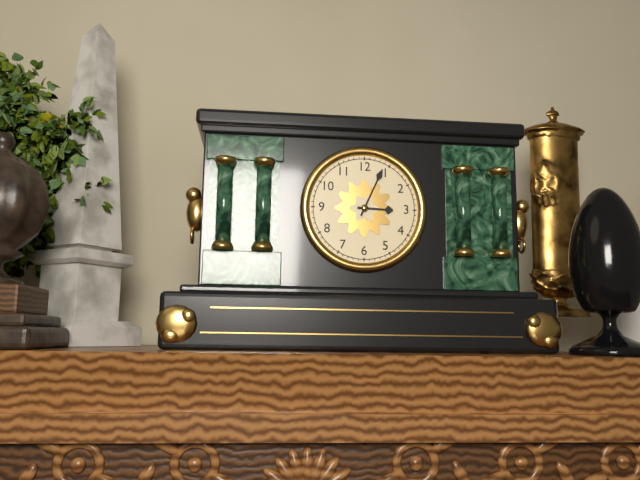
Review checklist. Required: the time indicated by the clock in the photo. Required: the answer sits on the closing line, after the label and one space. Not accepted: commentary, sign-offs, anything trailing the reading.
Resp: 3:04
